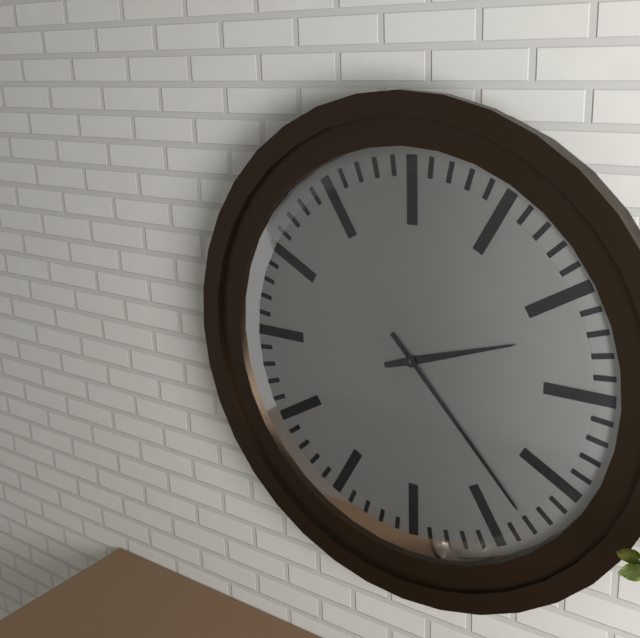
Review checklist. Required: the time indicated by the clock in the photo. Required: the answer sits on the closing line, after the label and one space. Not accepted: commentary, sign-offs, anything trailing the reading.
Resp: 2:23
